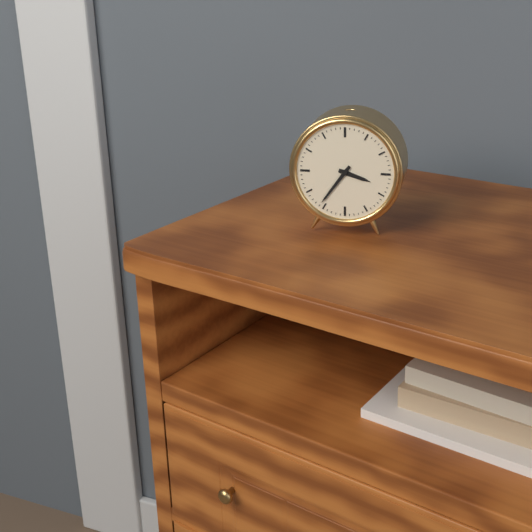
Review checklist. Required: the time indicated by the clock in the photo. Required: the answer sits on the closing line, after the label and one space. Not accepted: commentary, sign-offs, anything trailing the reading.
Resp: 3:36
